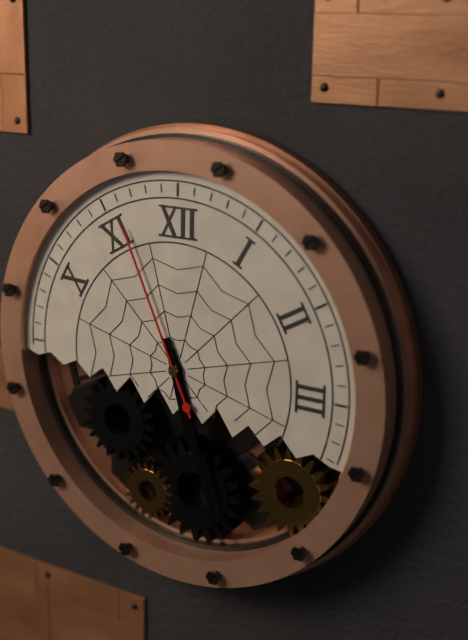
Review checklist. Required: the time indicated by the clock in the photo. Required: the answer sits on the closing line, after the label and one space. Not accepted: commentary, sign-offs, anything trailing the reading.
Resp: 5:27:56
